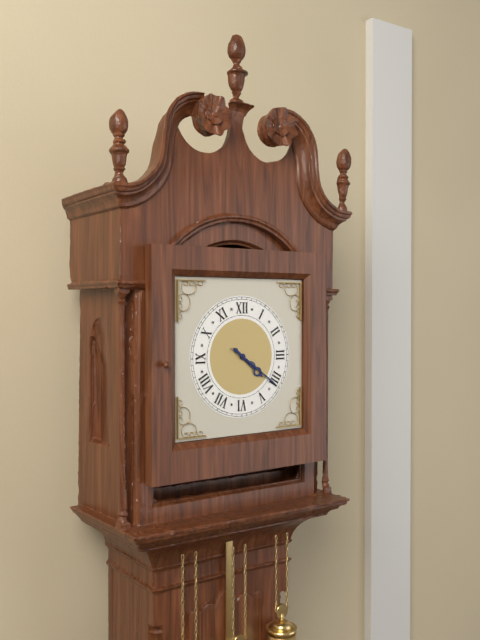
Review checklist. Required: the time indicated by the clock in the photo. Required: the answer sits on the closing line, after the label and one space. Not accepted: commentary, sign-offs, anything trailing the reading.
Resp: 4:21
